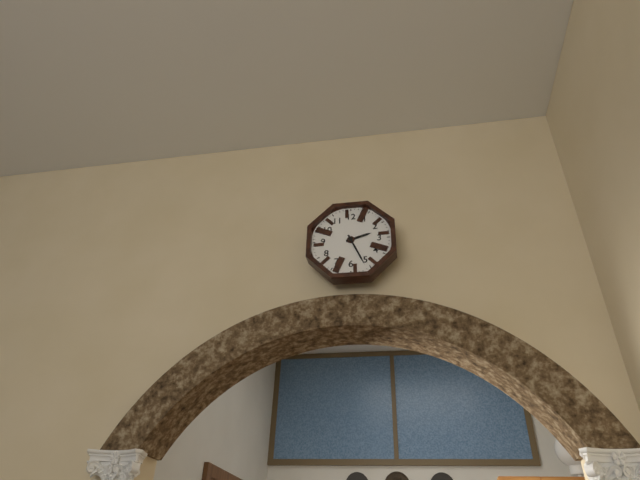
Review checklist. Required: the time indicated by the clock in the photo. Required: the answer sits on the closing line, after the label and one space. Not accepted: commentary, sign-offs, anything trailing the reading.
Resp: 2:26
